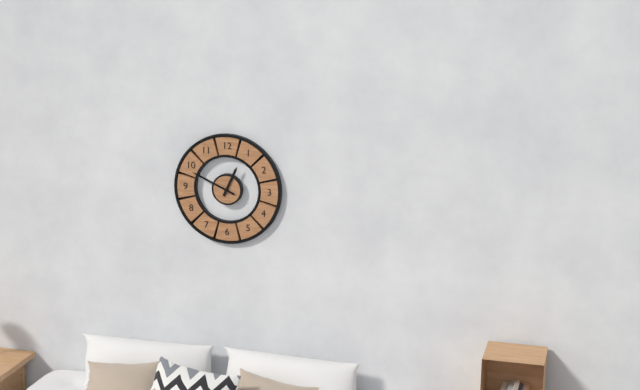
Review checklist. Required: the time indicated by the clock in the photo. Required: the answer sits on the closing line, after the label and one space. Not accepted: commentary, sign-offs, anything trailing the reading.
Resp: 12:49
